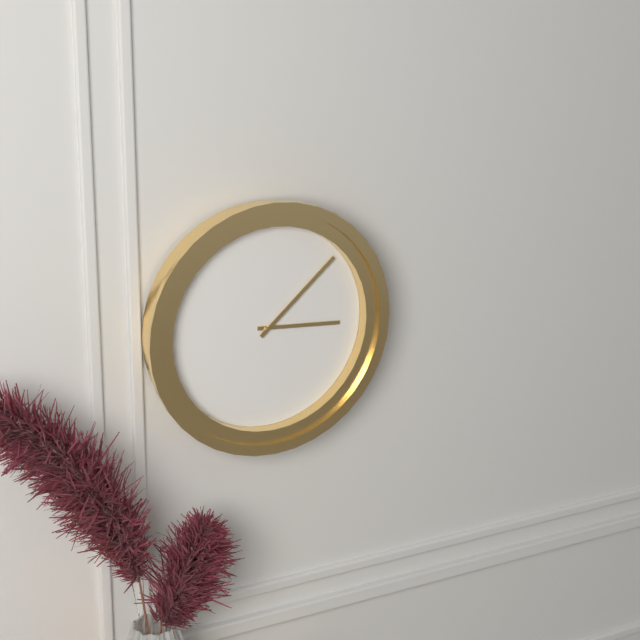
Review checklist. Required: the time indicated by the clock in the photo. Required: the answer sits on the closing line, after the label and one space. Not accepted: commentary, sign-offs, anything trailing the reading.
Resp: 3:08
